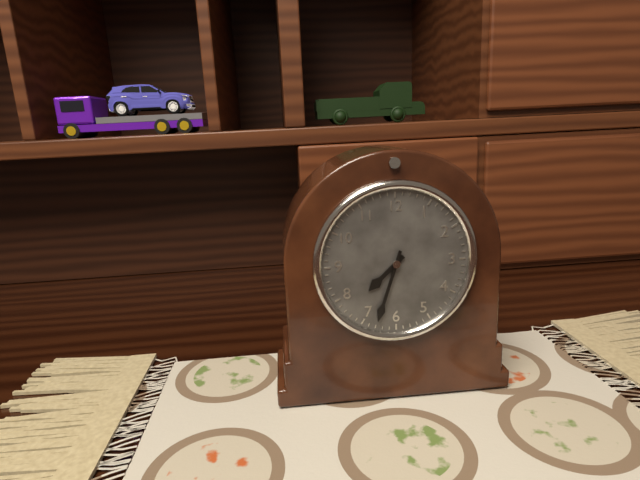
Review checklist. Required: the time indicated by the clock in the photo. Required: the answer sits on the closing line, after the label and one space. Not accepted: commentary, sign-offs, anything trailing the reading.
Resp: 7:33
